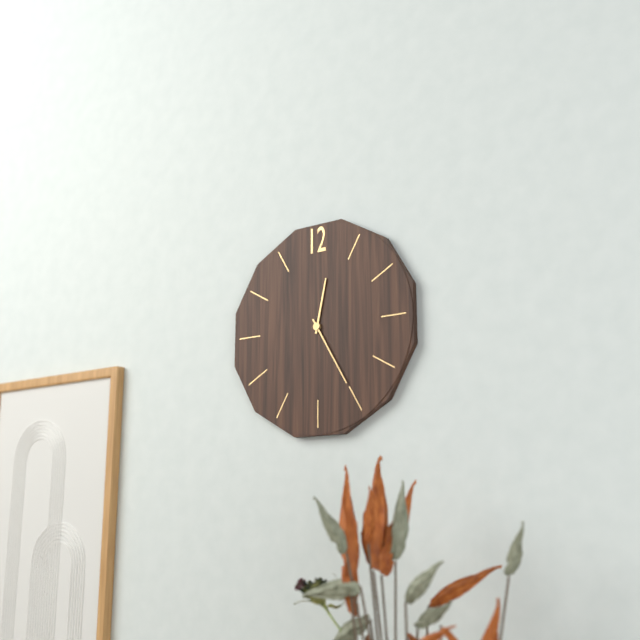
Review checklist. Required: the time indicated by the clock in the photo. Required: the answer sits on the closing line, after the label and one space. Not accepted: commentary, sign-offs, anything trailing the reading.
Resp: 12:25
